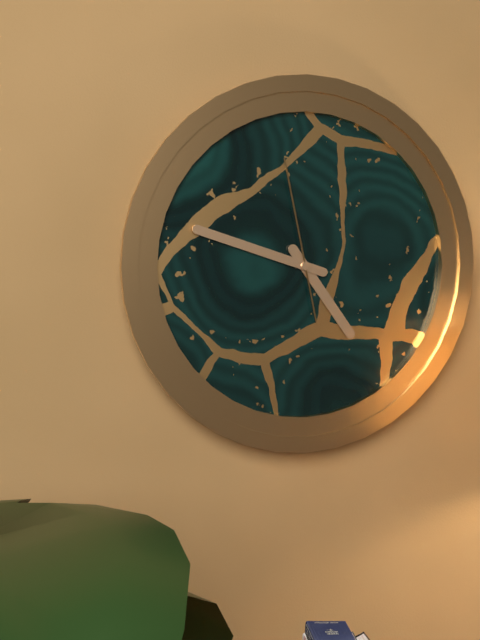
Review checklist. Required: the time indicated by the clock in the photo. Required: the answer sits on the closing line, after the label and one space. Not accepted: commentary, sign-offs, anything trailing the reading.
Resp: 4:48:58
